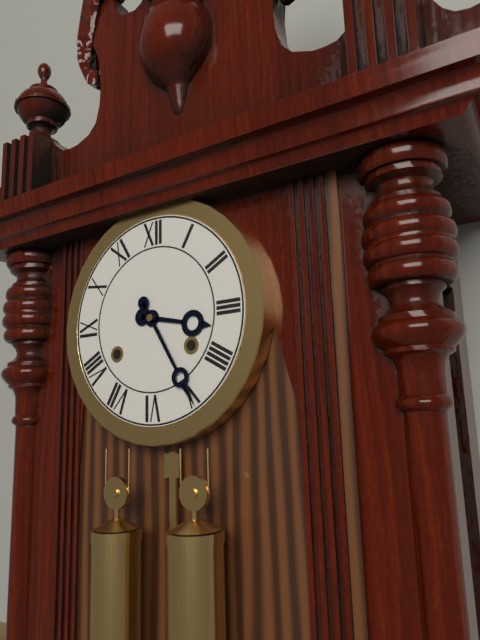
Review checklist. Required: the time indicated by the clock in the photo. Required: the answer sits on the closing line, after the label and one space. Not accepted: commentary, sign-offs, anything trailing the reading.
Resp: 3:25
